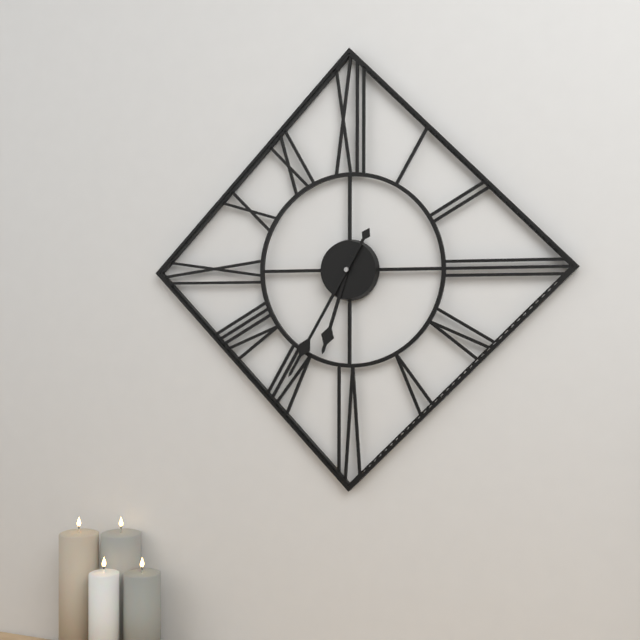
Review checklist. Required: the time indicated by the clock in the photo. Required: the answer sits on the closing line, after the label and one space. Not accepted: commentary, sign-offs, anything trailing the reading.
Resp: 6:35
